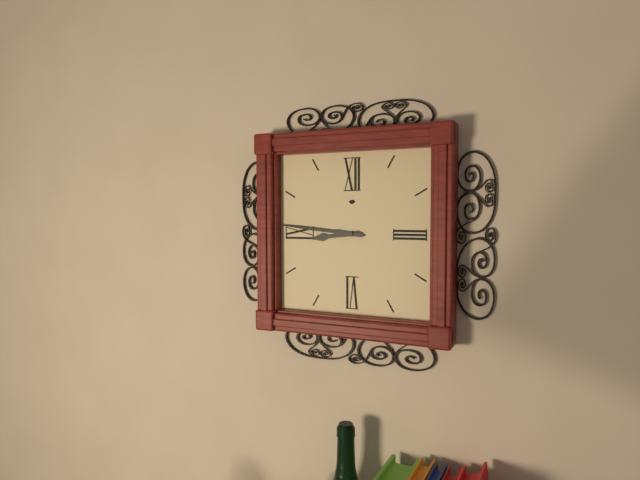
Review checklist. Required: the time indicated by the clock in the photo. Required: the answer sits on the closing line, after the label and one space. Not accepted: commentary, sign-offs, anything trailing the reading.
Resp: 8:46
